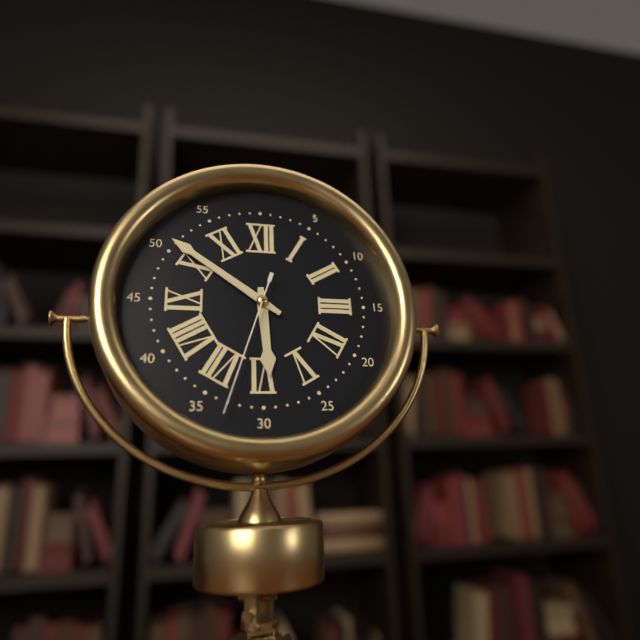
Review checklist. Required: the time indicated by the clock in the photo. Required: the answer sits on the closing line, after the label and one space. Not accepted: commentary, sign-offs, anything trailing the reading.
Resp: 5:51:33
